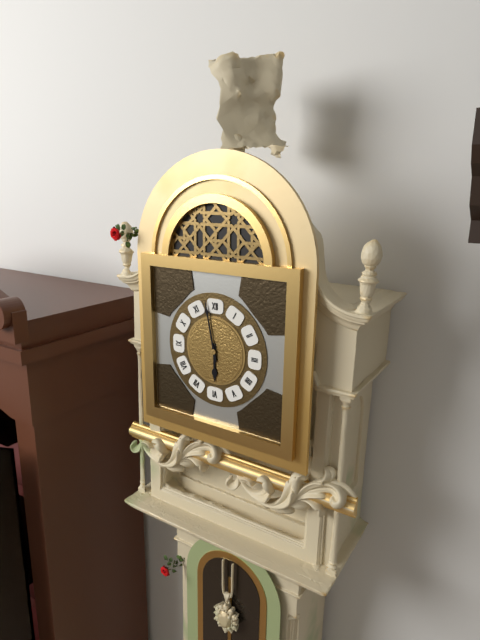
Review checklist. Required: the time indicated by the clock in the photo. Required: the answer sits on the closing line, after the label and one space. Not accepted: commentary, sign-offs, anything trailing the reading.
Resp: 5:58
